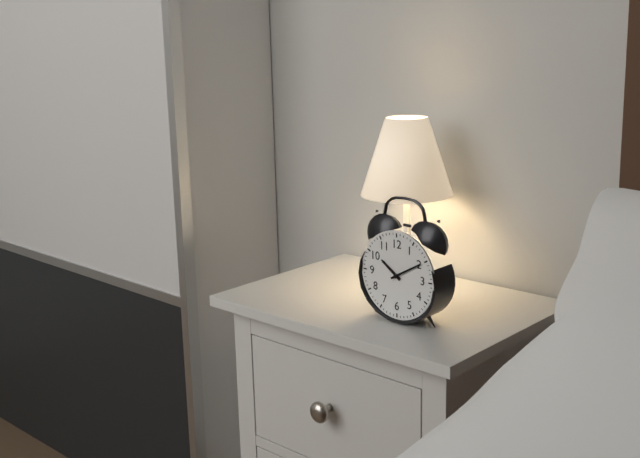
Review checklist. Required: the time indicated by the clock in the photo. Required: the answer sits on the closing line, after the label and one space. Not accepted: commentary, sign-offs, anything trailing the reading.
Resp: 10:10
